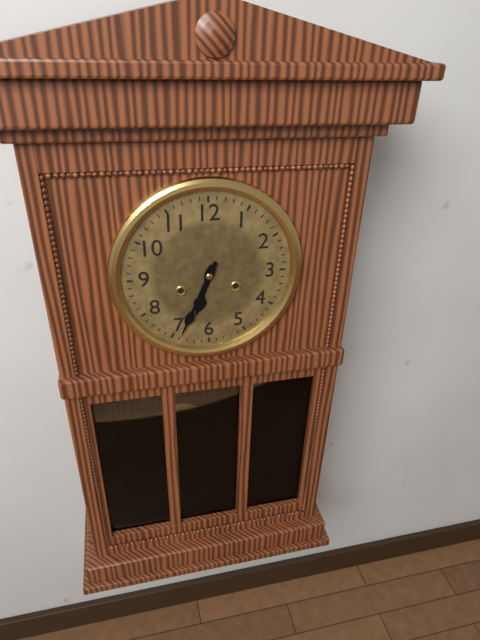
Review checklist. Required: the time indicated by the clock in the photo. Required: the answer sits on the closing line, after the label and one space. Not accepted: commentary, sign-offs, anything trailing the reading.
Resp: 6:34
